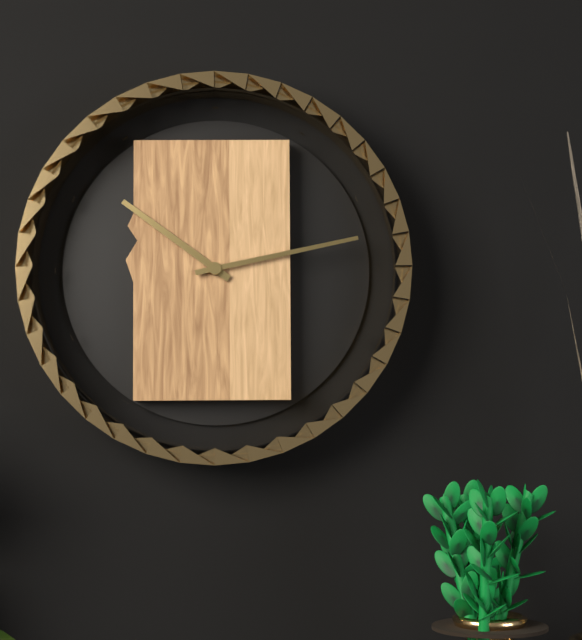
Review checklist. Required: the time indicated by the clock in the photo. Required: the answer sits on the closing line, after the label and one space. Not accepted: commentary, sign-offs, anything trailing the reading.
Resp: 10:13
